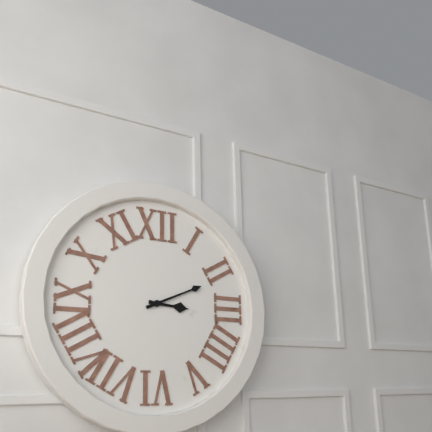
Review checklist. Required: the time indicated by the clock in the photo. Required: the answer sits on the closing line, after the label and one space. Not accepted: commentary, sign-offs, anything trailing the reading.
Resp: 3:11
